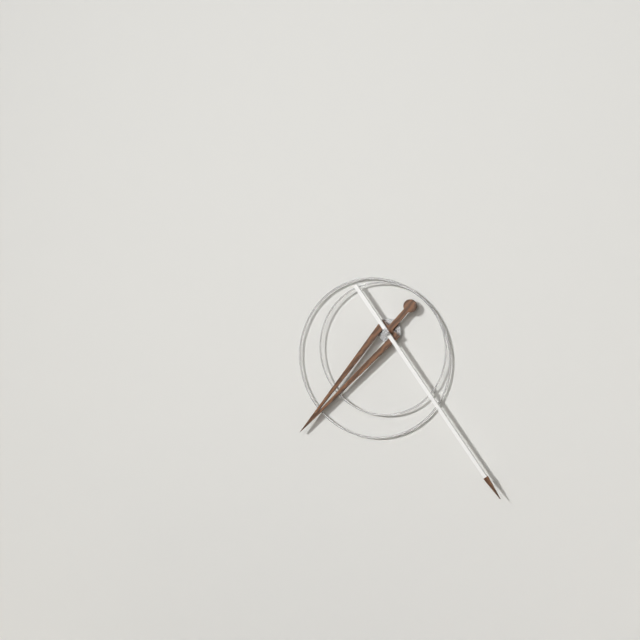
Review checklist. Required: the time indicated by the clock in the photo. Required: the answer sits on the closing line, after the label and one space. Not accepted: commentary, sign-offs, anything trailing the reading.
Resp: 7:24
